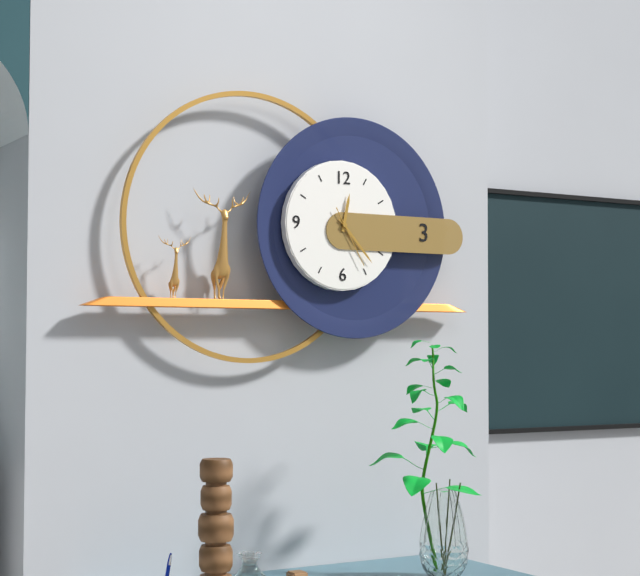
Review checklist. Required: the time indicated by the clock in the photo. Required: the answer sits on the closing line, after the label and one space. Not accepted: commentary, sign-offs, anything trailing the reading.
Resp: 12:23:25
